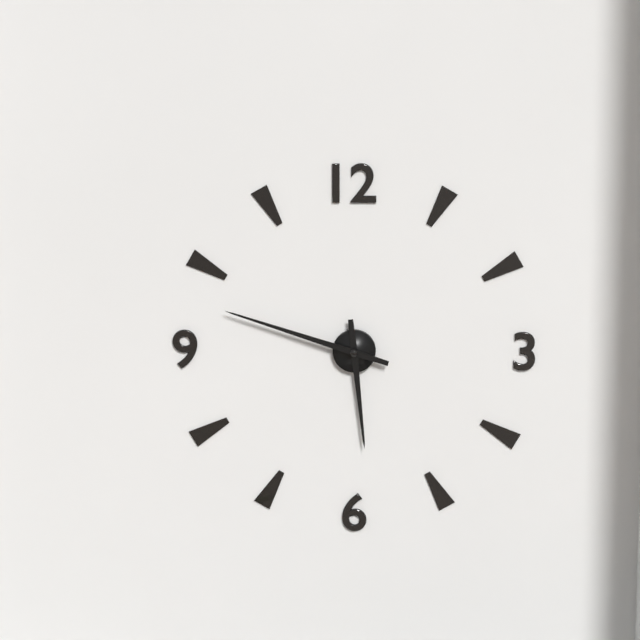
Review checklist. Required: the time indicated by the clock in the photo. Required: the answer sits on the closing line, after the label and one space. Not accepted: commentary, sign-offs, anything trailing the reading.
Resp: 5:48
